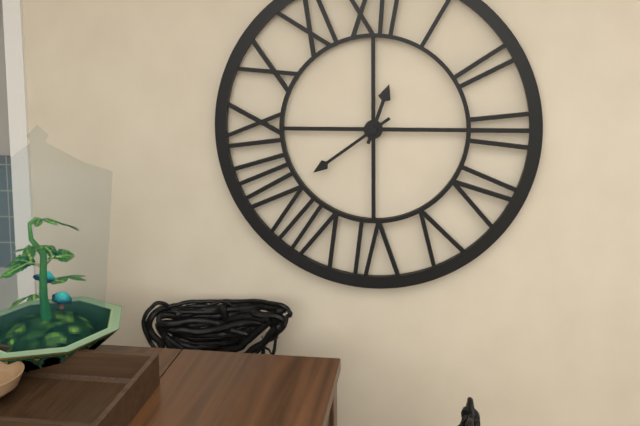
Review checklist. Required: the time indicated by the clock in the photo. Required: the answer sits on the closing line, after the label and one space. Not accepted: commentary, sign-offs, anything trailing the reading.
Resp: 12:39
